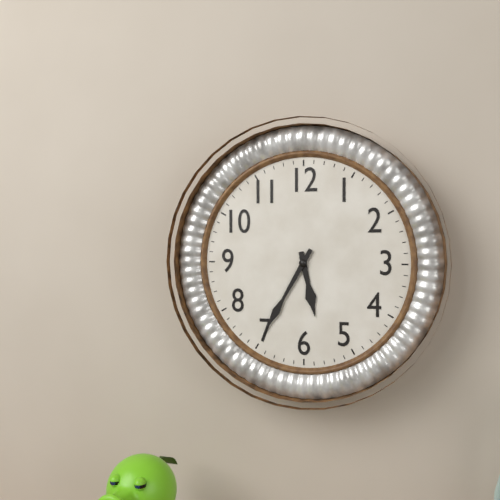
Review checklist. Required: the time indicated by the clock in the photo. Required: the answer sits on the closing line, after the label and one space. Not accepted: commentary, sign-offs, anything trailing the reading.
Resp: 5:35
